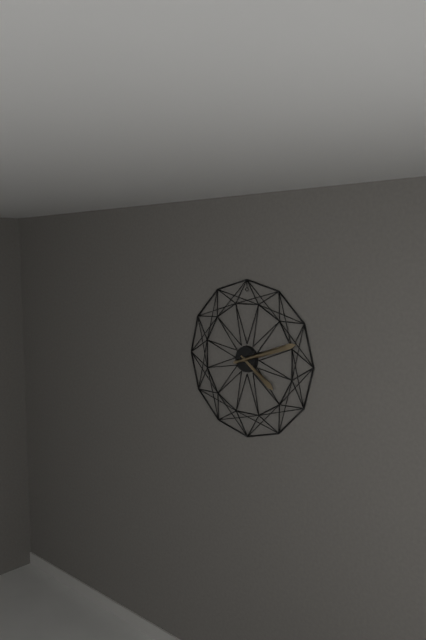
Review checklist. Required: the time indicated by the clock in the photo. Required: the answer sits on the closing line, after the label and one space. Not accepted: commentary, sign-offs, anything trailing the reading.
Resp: 4:12
